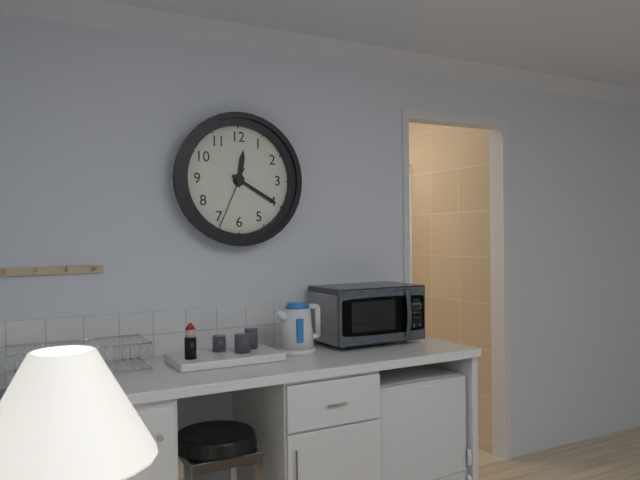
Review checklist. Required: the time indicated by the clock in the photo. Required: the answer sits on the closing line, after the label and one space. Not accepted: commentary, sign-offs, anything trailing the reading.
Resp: 12:20:34
